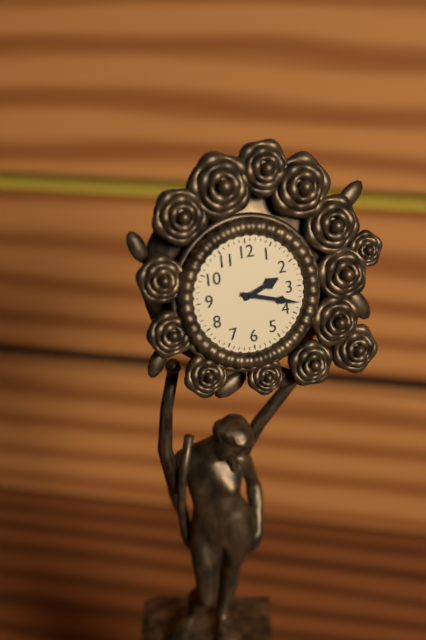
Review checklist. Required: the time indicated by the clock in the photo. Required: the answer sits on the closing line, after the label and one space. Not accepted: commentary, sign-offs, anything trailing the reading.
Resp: 2:18
